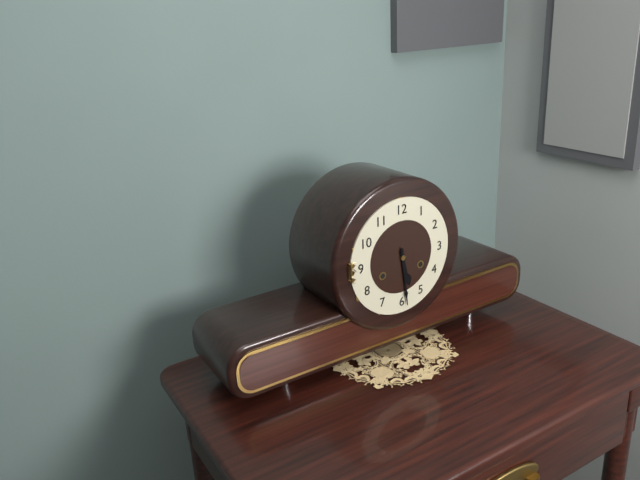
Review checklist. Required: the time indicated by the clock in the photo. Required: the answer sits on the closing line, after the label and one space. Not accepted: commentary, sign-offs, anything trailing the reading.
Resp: 5:29
